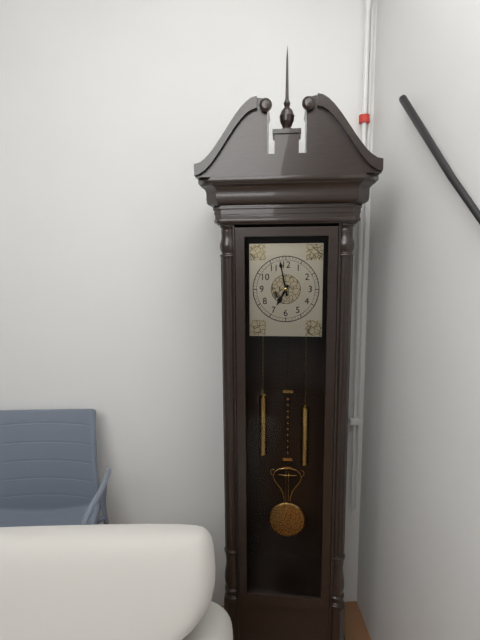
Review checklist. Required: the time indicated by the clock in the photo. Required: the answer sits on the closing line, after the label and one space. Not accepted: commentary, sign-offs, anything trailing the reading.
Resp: 6:58
